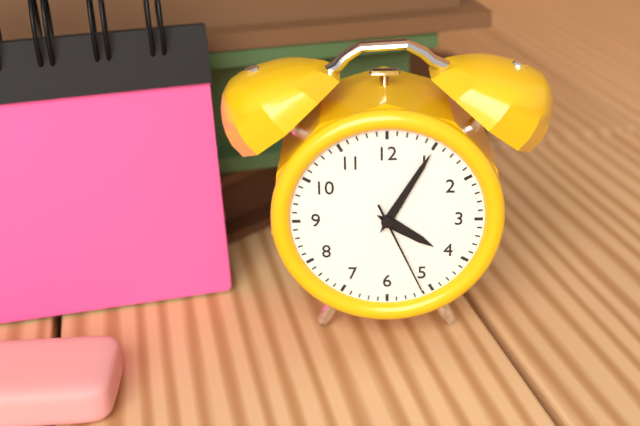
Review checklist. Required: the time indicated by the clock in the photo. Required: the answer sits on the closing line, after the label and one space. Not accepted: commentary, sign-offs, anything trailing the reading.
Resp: 4:05:26
